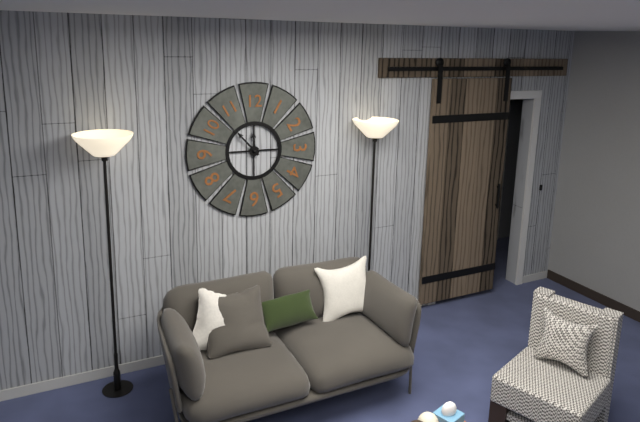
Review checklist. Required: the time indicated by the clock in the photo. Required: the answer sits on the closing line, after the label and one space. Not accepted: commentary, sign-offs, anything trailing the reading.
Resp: 11:53
